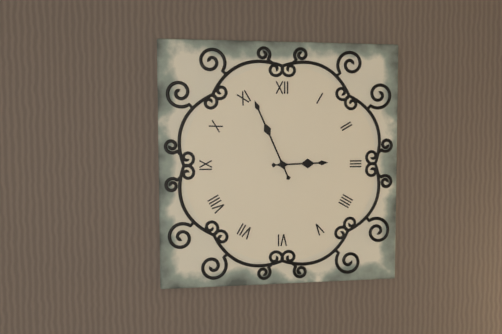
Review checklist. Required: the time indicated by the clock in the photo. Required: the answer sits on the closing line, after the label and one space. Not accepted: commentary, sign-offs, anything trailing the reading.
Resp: 2:56
